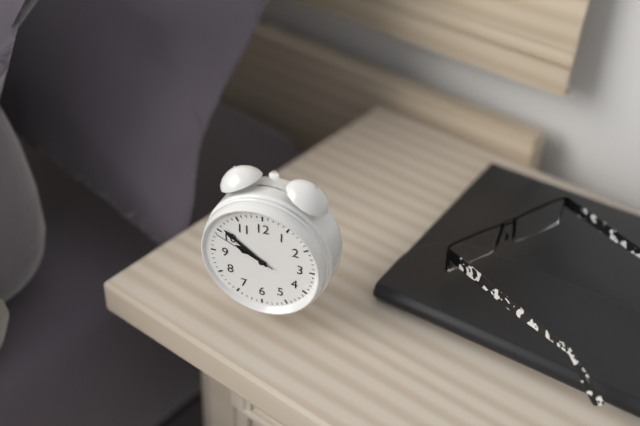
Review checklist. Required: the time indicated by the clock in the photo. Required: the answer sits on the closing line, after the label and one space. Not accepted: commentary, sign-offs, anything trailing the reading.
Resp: 9:51:49
